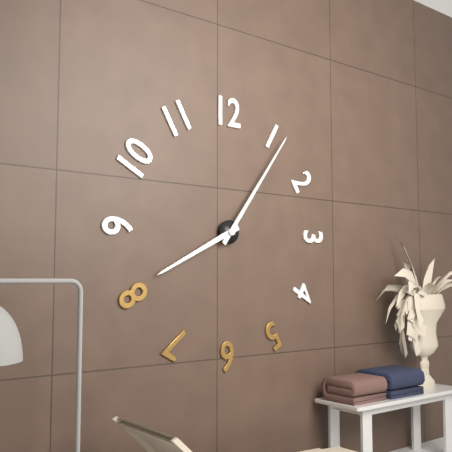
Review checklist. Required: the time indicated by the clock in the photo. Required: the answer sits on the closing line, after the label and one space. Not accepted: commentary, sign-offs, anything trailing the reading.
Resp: 8:06
